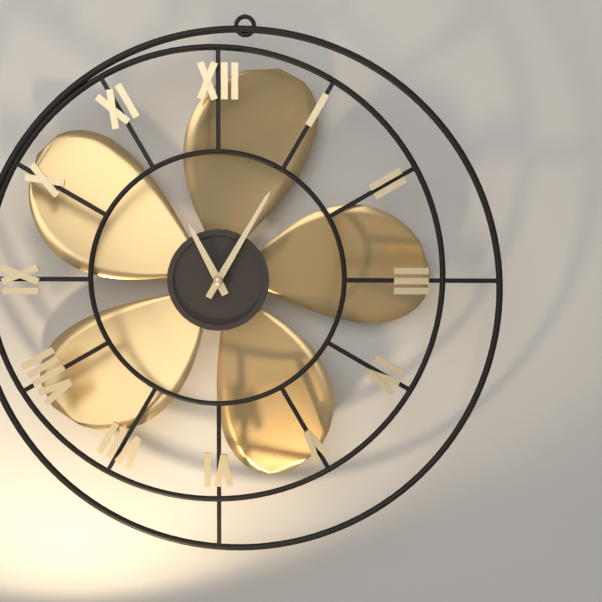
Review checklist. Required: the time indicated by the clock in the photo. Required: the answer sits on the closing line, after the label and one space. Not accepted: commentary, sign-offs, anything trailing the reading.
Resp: 11:05
